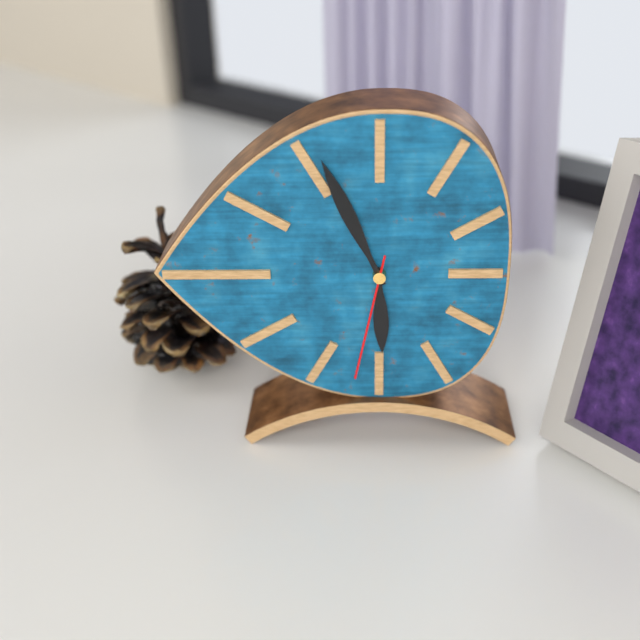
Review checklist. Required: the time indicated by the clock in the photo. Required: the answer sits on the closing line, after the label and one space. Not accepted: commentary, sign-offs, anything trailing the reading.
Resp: 5:56:32
